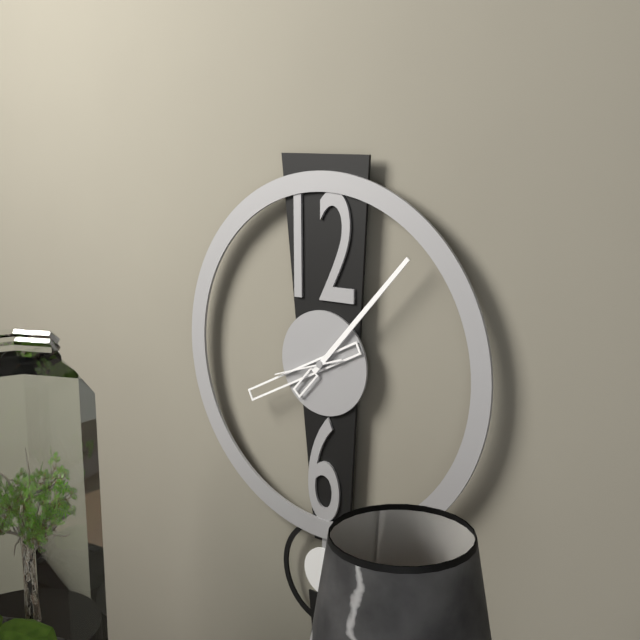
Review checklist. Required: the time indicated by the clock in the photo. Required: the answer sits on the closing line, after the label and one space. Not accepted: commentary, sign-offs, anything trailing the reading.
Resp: 8:07:42
